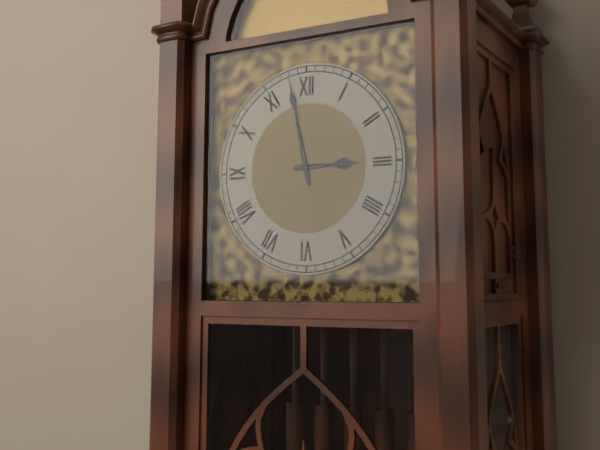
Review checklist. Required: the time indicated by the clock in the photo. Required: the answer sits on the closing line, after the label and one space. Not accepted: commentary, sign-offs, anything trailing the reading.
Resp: 2:58
